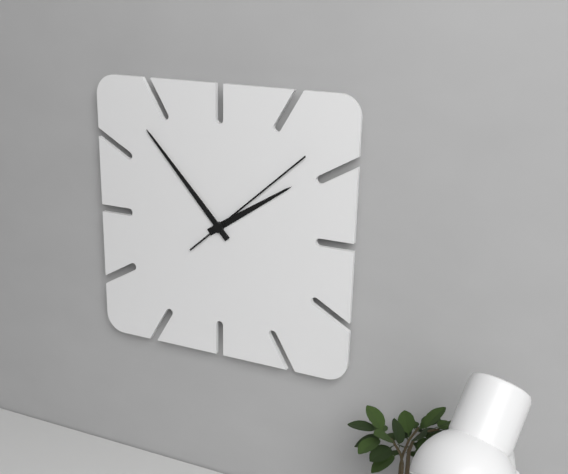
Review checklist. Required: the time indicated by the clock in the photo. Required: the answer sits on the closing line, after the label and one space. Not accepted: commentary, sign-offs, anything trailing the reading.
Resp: 1:53:08
